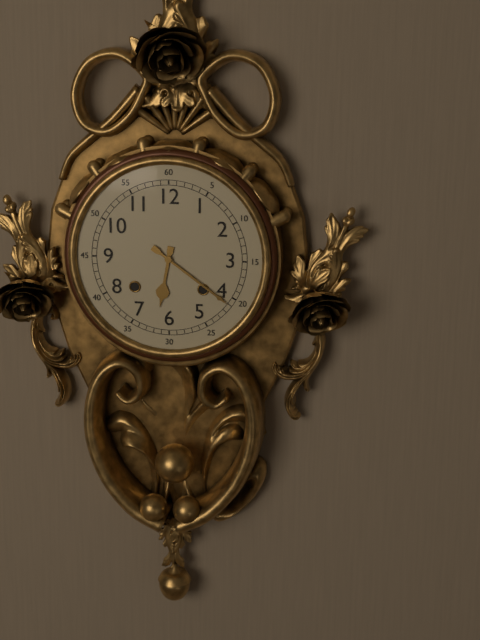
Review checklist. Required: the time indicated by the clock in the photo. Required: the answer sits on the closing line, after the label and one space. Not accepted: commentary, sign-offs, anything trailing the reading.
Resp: 6:21
